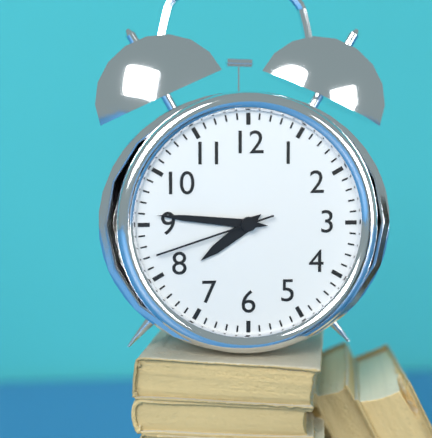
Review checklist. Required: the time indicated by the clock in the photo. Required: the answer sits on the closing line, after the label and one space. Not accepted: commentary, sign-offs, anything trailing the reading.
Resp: 7:46:42
